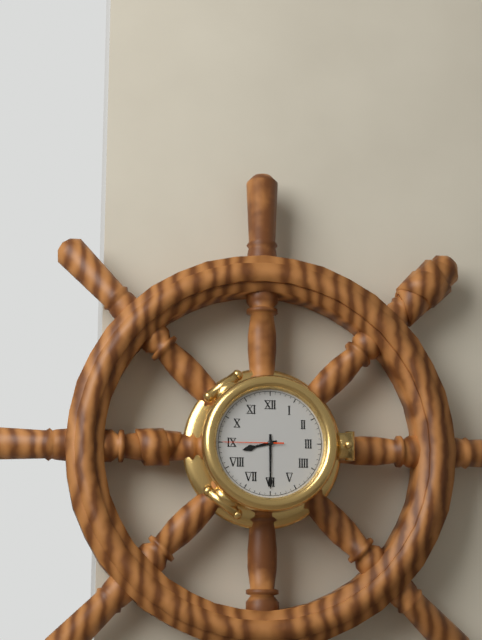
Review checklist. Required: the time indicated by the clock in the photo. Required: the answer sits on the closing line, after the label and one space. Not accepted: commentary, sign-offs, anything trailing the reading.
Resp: 8:30:45
